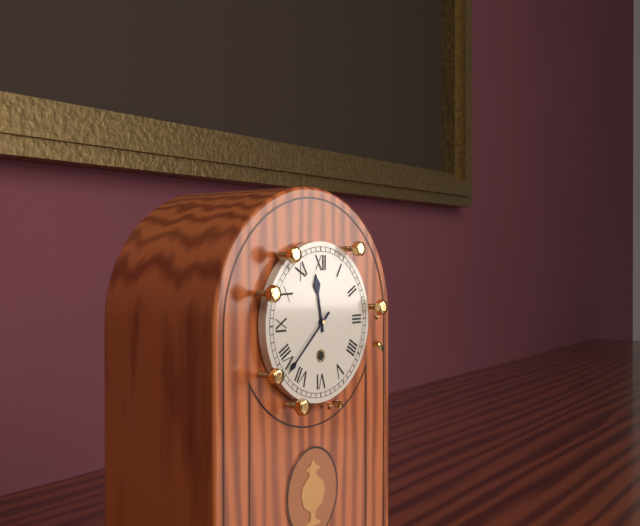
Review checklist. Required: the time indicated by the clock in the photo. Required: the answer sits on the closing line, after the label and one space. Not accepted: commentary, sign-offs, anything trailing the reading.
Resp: 11:38
